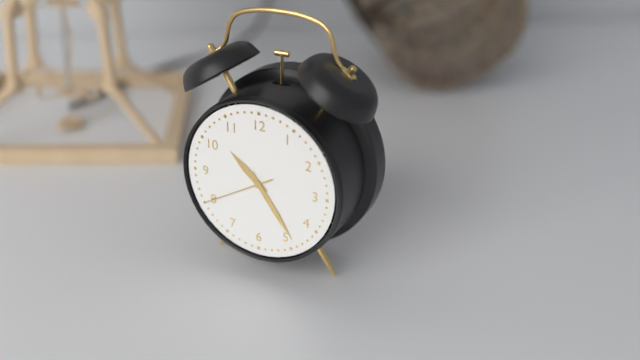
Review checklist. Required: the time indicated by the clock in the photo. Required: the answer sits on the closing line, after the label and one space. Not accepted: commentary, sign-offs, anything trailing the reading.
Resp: 10:24:40
